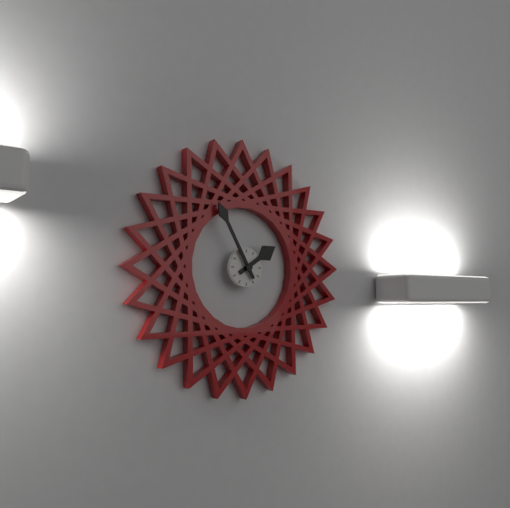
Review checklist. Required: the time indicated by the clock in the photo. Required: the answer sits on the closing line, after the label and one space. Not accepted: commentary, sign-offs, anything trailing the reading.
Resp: 1:55
